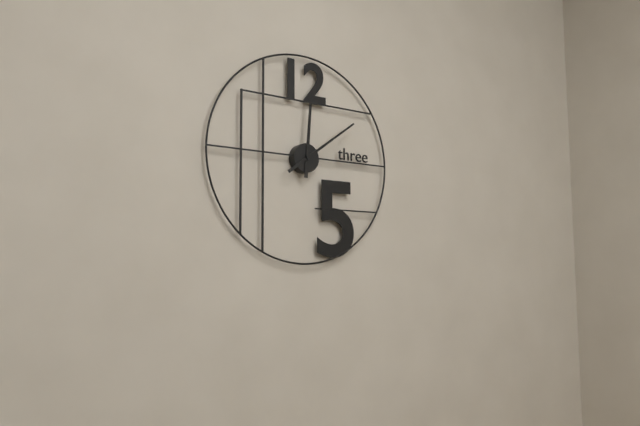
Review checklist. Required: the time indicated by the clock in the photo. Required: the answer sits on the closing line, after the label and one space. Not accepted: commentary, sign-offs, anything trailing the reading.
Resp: 12:09
